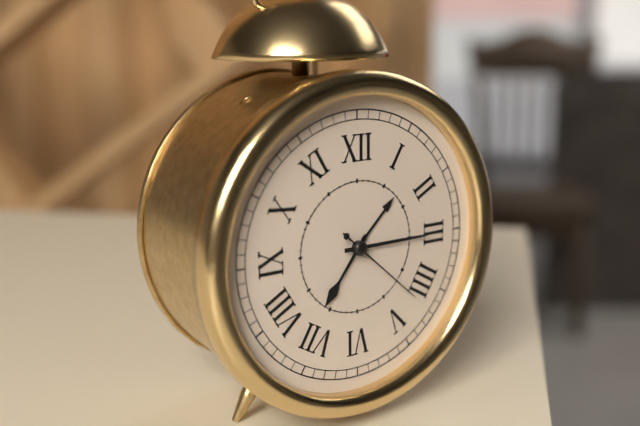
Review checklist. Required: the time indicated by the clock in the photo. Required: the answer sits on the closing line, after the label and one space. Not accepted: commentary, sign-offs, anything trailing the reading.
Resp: 7:15:22
